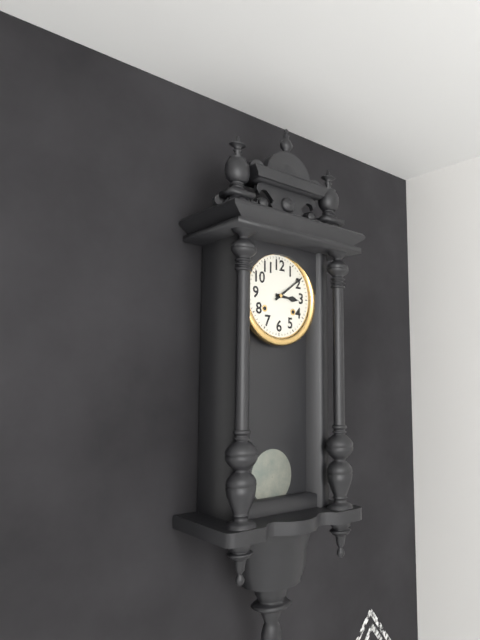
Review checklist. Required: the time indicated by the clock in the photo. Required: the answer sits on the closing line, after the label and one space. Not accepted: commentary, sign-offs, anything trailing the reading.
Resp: 3:09
